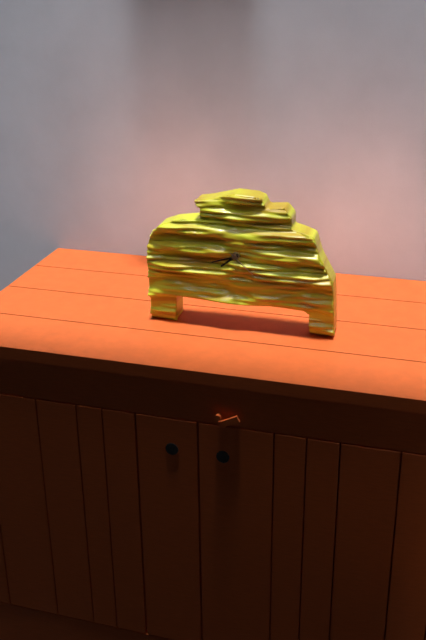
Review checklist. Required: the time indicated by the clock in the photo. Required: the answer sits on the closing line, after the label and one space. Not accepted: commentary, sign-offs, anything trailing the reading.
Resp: 7:42
